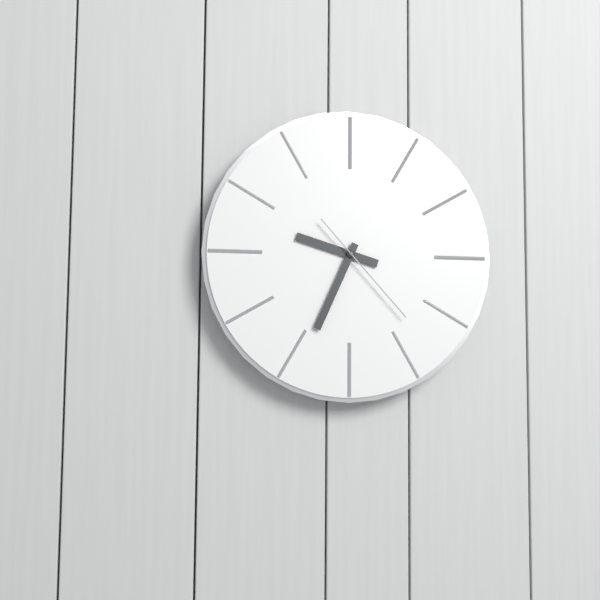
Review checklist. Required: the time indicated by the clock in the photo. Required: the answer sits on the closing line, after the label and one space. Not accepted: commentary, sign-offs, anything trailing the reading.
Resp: 9:34:23
